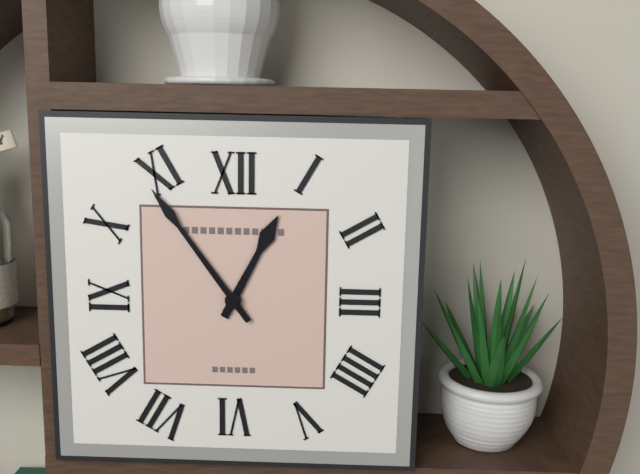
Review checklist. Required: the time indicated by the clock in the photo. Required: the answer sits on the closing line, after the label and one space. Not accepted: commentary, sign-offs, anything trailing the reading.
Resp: 12:54
